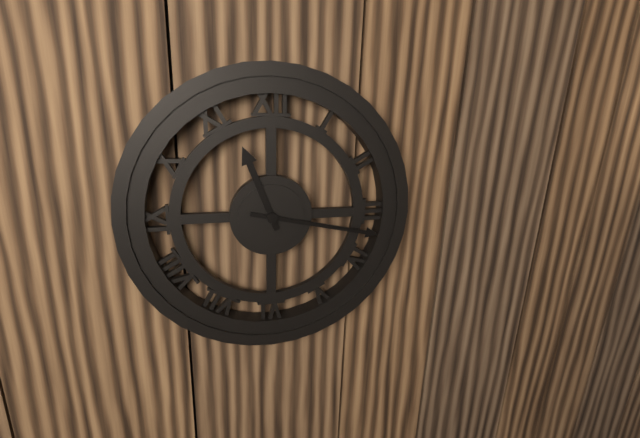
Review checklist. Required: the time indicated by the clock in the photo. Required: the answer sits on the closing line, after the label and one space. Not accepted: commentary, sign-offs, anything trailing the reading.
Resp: 11:17
